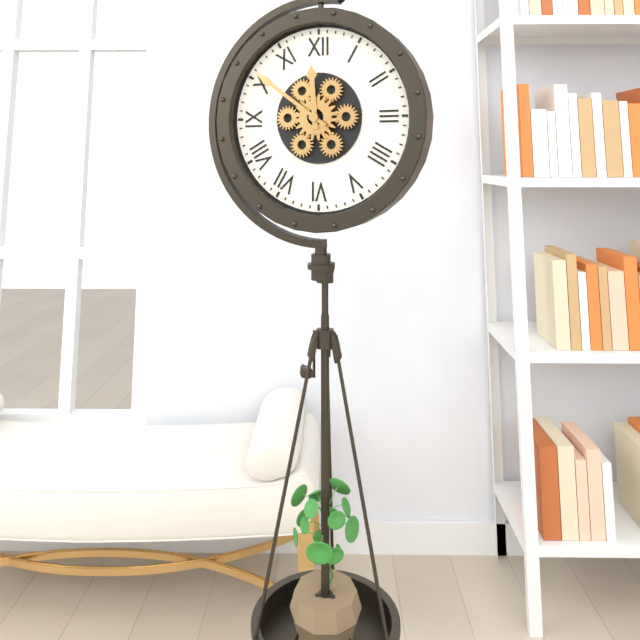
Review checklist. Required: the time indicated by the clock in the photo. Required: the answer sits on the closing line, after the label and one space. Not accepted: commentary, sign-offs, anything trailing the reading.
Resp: 11:51
